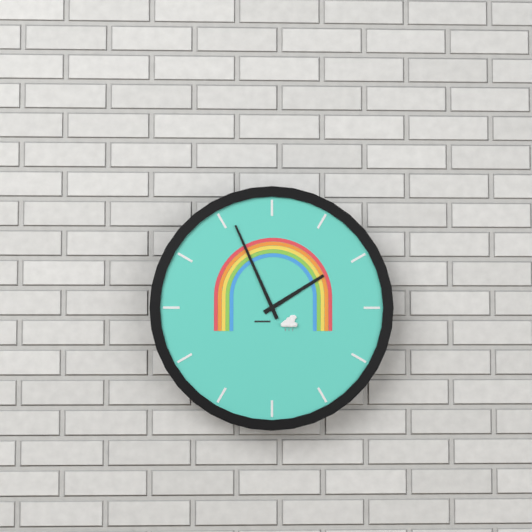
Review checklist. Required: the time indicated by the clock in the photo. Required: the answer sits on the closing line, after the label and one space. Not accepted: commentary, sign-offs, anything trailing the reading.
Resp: 1:56
